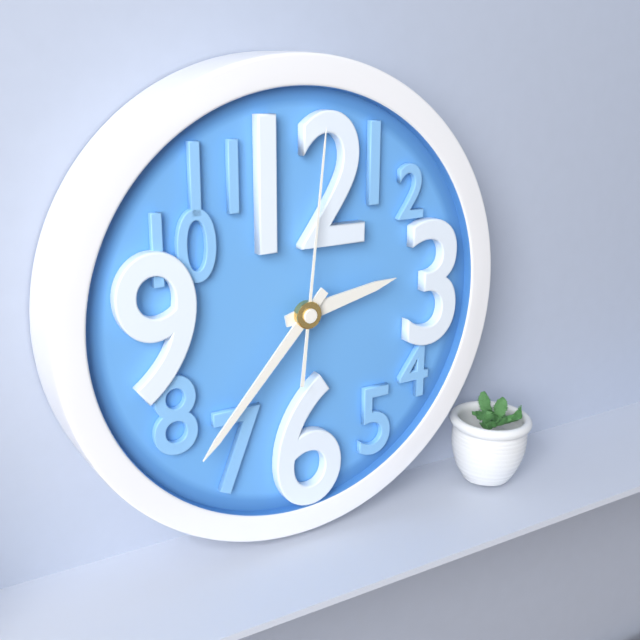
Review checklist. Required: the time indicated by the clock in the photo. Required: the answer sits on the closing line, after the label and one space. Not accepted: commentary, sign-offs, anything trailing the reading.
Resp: 2:37:01
